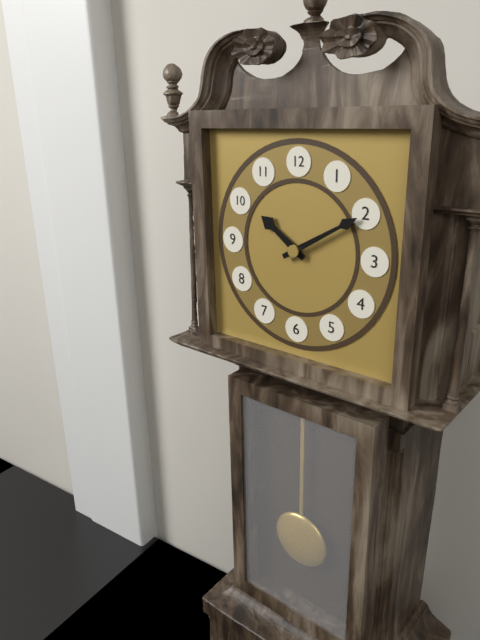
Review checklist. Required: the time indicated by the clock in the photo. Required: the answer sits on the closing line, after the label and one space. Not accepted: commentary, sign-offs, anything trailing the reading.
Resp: 10:10
